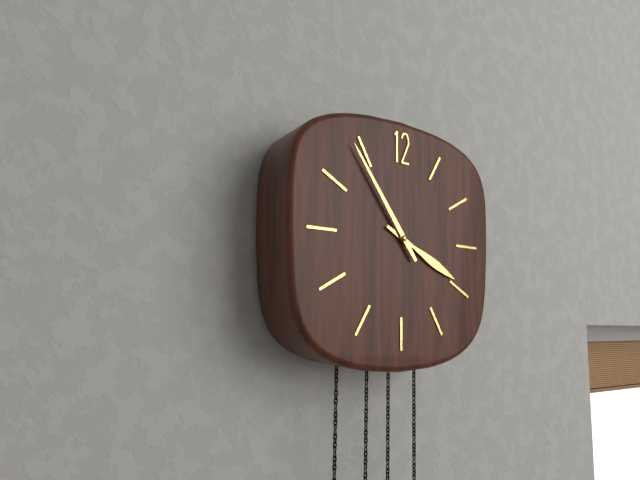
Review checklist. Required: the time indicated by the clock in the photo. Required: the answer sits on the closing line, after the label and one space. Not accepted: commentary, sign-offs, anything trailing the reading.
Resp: 3:54
